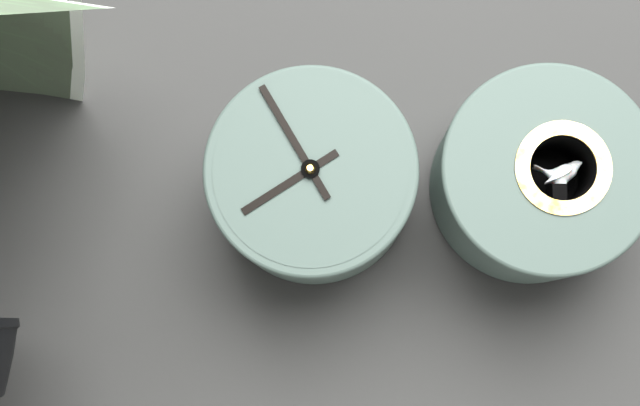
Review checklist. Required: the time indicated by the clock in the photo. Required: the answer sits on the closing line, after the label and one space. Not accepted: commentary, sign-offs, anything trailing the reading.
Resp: 7:55
